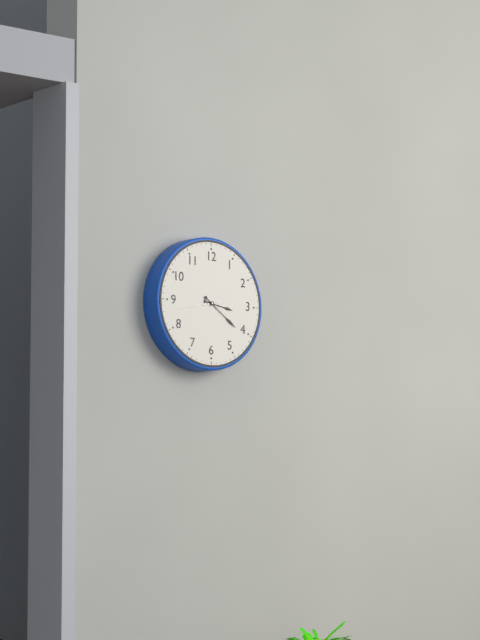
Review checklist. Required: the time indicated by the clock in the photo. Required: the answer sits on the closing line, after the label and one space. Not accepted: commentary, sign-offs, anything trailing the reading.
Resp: 3:21
